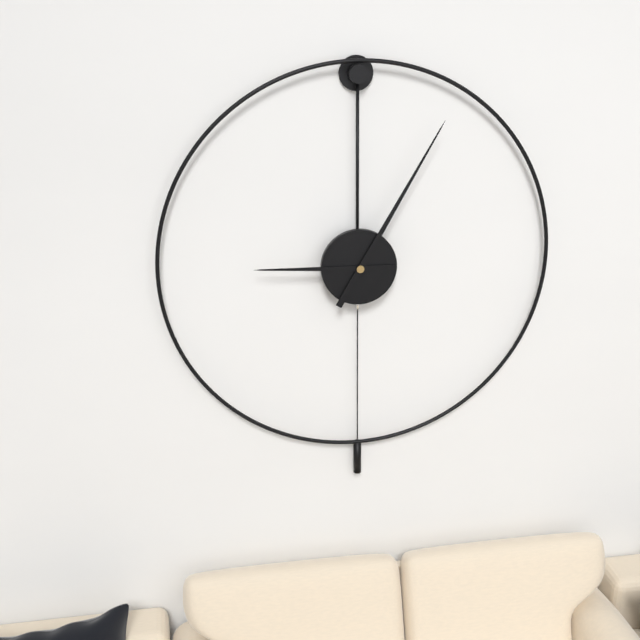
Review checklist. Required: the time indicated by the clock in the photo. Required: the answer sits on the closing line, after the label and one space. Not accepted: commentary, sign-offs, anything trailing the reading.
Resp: 9:05
